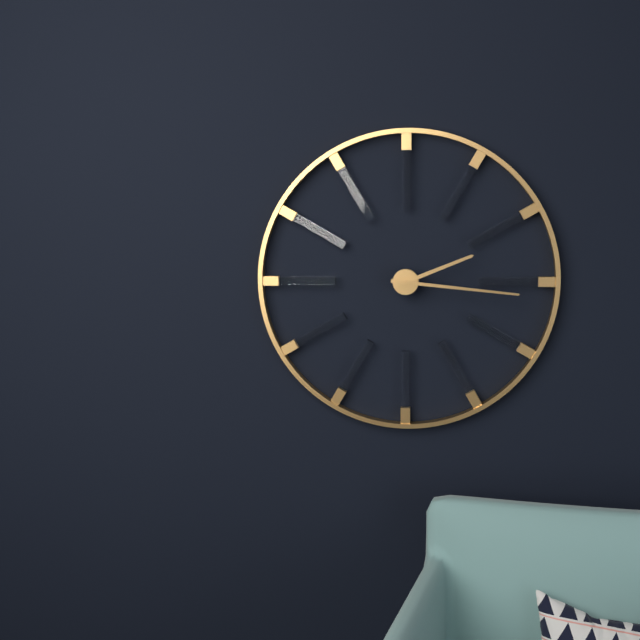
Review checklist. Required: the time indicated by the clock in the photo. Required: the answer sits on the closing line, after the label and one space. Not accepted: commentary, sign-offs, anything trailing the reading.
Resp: 2:16
